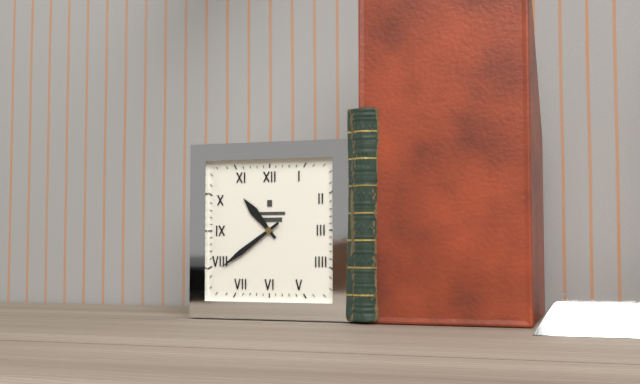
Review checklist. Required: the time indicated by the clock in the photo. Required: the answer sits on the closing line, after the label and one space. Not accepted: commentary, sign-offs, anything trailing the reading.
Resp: 10:39
